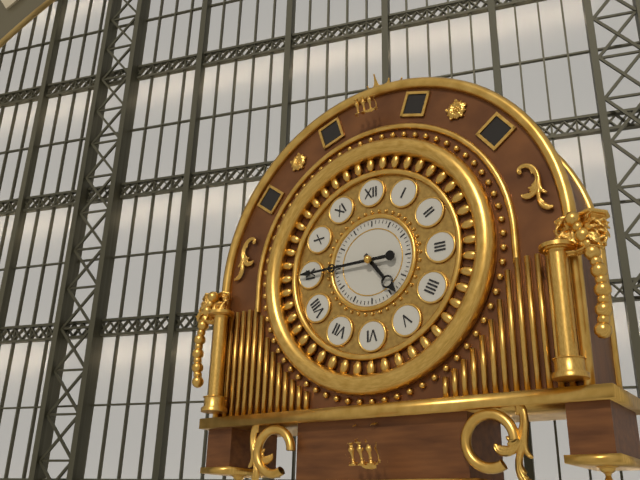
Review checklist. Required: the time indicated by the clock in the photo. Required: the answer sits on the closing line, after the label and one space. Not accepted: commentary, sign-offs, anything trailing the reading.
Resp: 4:45
